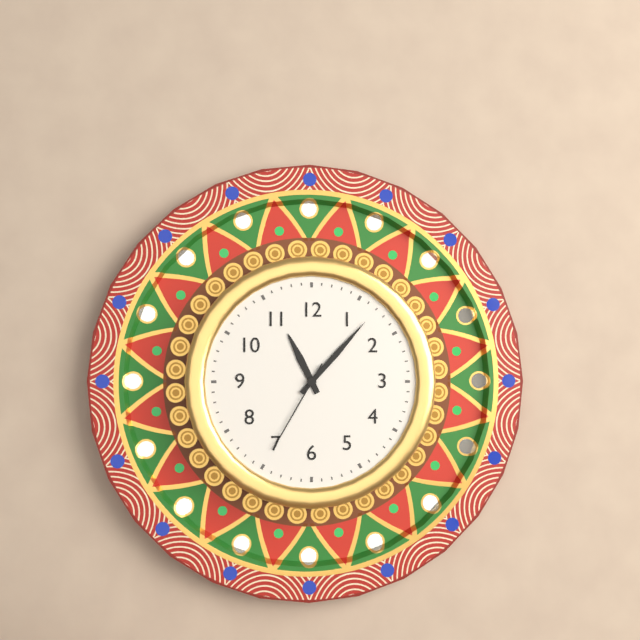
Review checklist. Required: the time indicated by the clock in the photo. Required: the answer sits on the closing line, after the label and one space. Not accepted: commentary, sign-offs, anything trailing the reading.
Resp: 11:07:35
